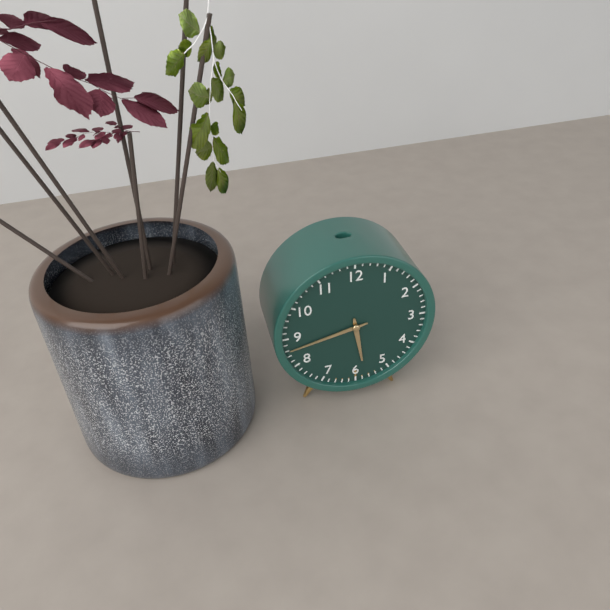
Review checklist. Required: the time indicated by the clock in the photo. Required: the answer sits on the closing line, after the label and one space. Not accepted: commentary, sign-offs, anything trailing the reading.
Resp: 5:43
